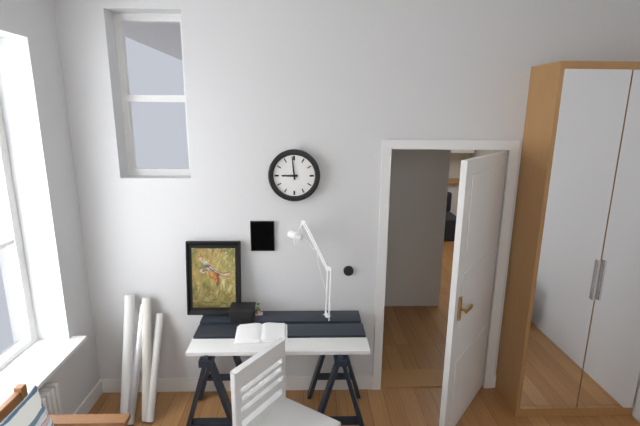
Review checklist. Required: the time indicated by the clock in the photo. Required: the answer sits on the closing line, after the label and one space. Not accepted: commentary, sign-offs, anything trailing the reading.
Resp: 8:59
